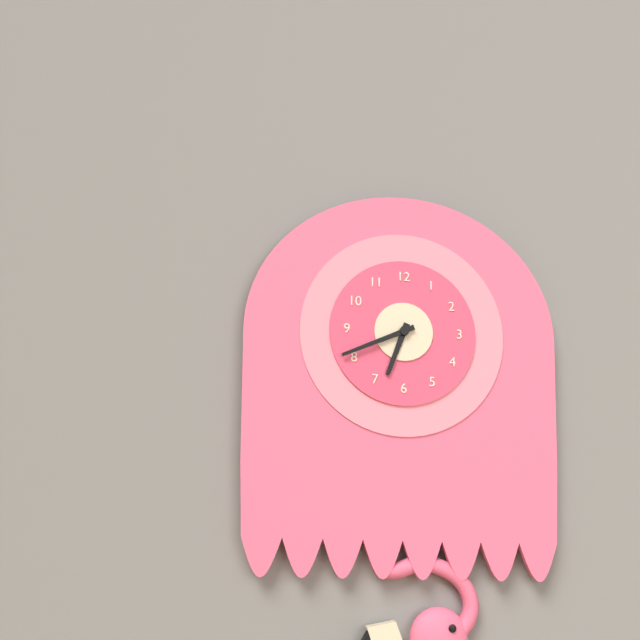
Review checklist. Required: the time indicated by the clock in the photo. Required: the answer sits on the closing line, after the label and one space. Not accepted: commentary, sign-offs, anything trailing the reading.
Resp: 6:41
